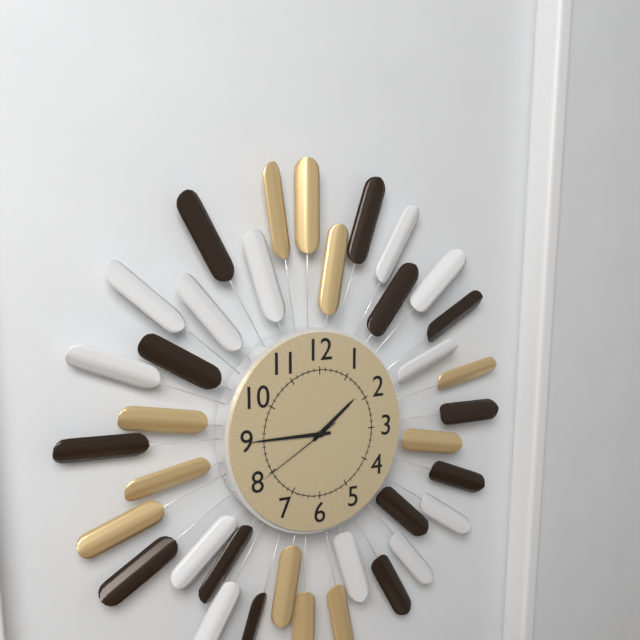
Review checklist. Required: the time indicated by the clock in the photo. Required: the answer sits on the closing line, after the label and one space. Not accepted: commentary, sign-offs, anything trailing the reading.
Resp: 1:45:40
